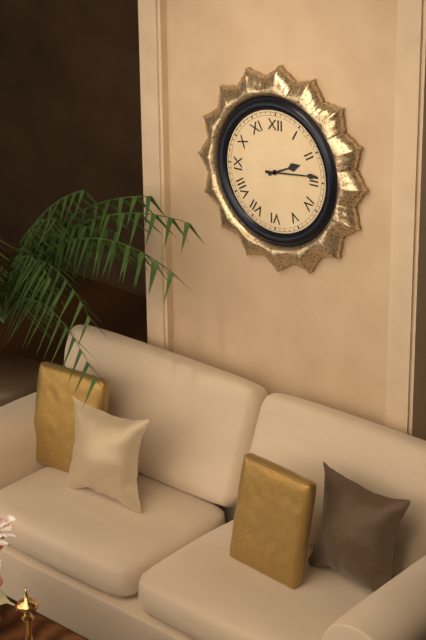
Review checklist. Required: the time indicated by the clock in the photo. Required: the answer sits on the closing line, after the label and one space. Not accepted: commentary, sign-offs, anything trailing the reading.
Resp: 2:14
